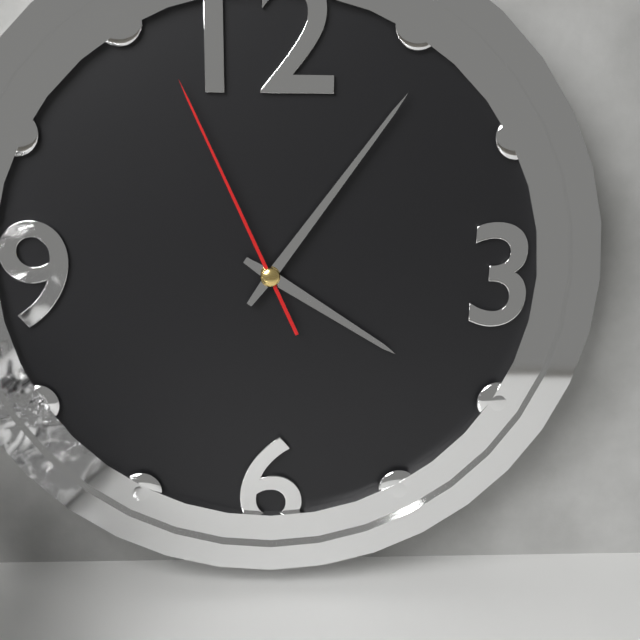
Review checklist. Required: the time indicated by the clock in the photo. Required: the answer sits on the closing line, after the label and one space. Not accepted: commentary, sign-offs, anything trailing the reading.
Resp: 4:06:56
